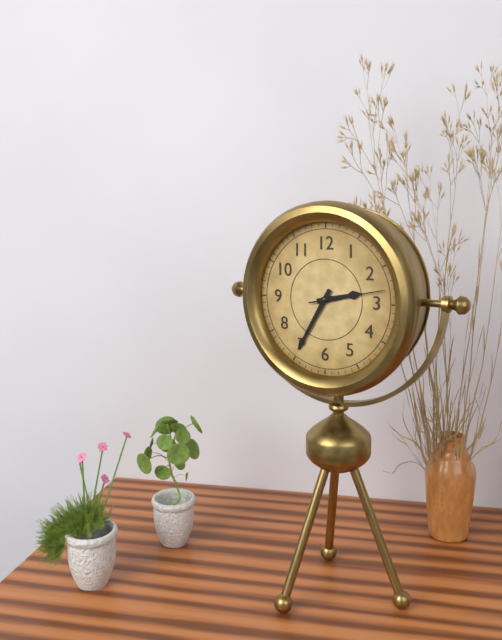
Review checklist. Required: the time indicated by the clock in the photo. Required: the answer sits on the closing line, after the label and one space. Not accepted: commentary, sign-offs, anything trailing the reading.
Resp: 2:35:13
